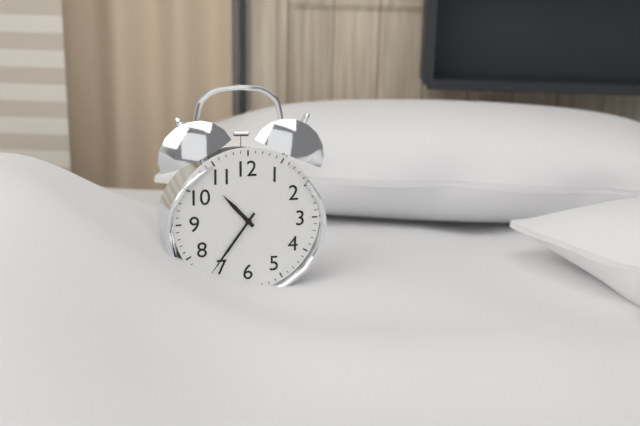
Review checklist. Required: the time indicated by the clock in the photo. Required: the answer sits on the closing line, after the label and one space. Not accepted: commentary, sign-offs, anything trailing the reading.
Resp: 10:36
